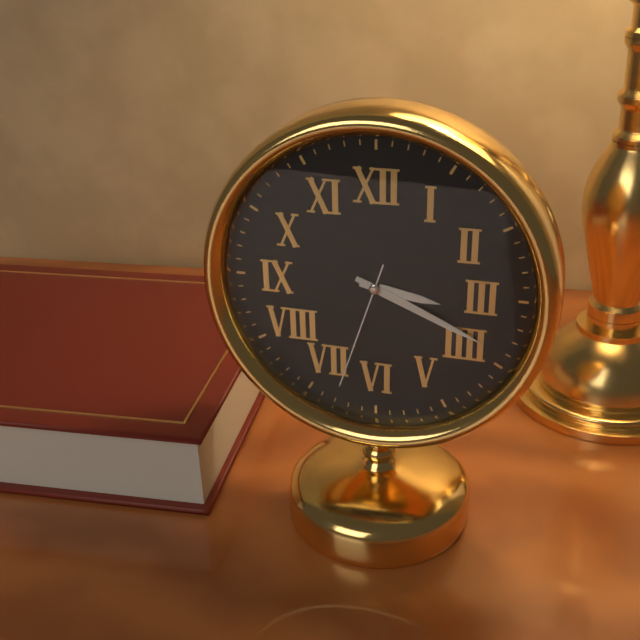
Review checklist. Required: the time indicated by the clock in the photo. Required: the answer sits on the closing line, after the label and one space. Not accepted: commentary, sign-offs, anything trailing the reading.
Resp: 3:19:33
